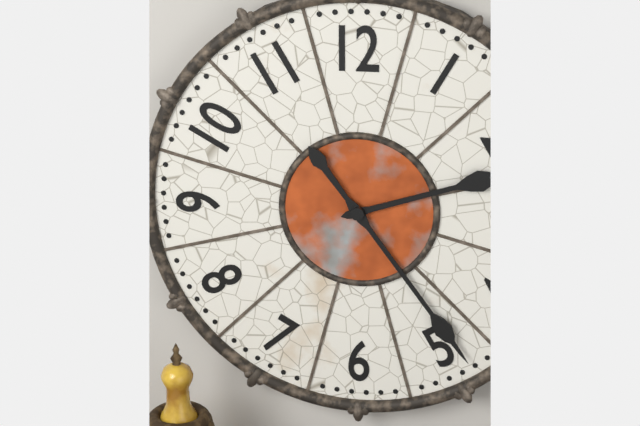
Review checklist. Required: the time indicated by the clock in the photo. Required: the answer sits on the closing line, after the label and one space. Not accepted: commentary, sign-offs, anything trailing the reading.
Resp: 2:24
